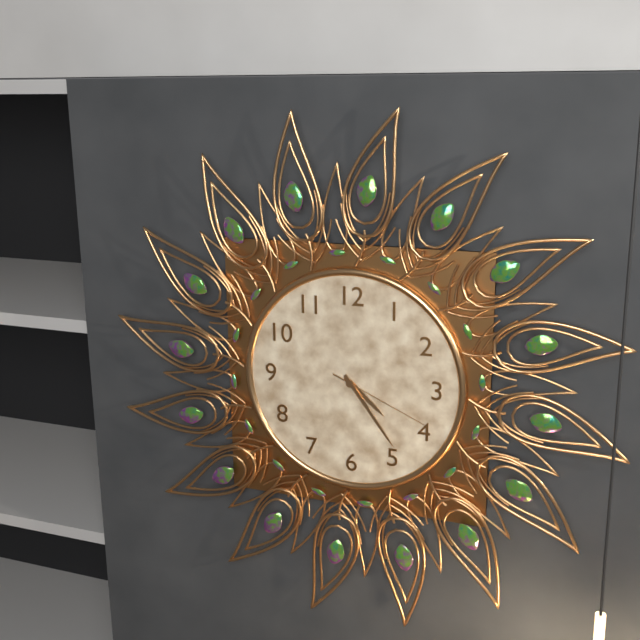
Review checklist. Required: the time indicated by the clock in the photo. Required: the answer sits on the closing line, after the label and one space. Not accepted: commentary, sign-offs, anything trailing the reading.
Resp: 4:24:19
